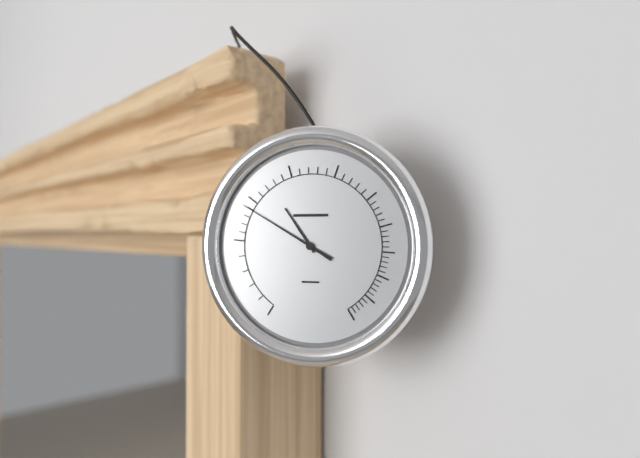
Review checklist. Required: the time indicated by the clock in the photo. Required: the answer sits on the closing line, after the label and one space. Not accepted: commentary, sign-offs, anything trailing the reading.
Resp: 10:50
